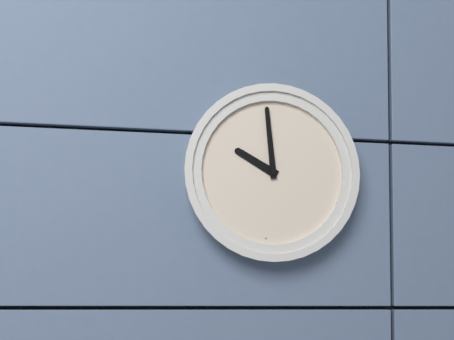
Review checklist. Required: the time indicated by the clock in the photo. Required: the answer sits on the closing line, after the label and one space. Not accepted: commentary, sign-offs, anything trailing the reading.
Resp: 9:59
